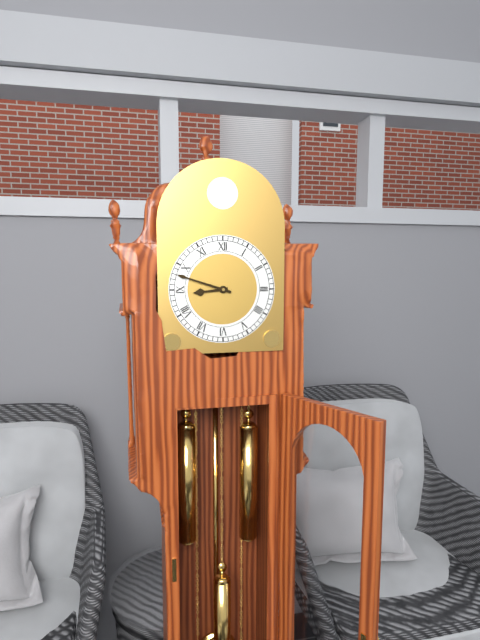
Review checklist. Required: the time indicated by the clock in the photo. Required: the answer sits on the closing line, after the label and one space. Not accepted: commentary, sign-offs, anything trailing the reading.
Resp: 8:48
